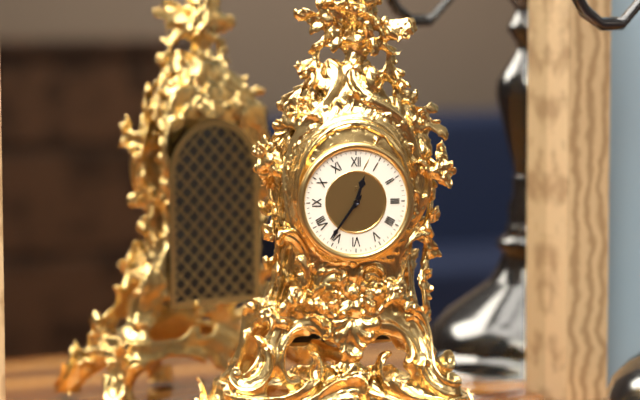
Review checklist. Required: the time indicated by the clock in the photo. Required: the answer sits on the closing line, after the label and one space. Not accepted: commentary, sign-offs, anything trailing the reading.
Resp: 12:36
